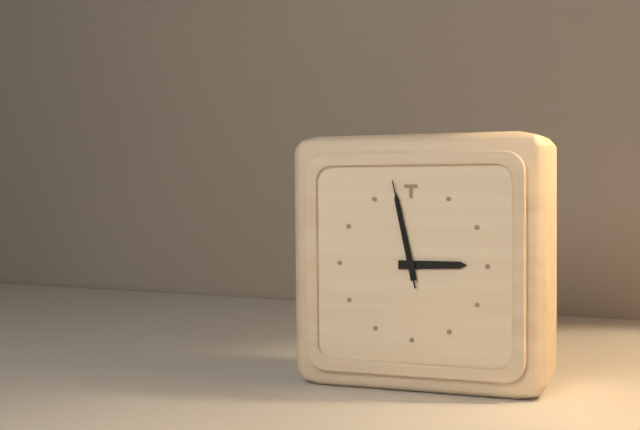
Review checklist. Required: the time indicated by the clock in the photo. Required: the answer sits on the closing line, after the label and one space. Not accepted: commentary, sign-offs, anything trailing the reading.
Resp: 2:58:58
